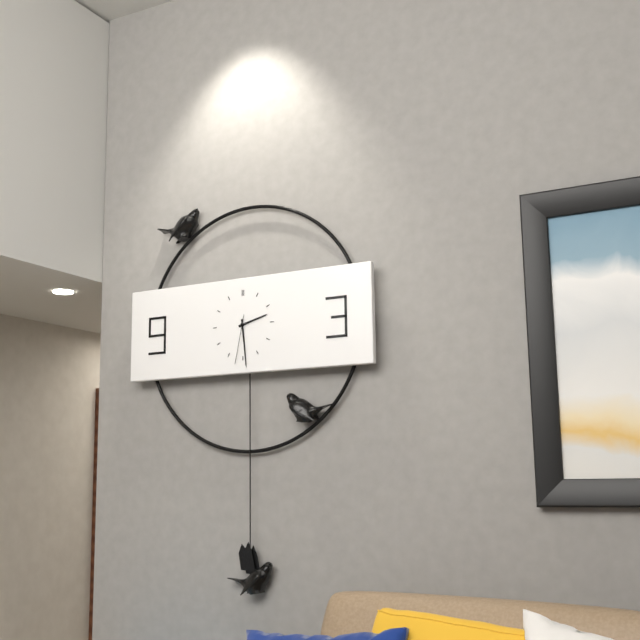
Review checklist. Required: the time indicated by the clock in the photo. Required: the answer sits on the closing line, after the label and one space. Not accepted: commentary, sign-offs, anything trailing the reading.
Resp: 2:29:32
